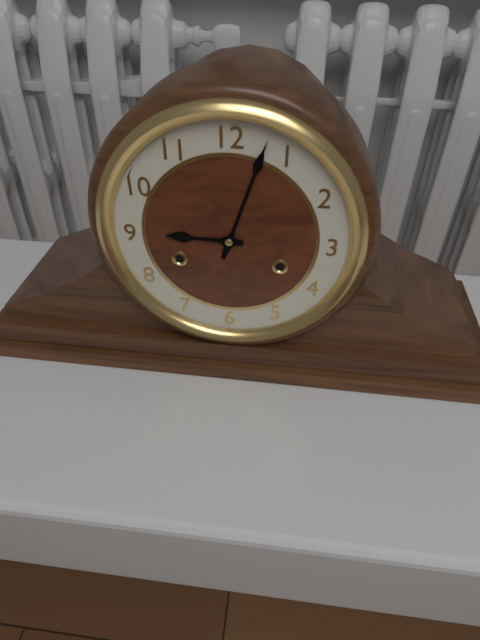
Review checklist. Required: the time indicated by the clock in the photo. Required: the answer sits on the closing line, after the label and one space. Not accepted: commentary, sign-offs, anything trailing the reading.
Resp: 9:03
